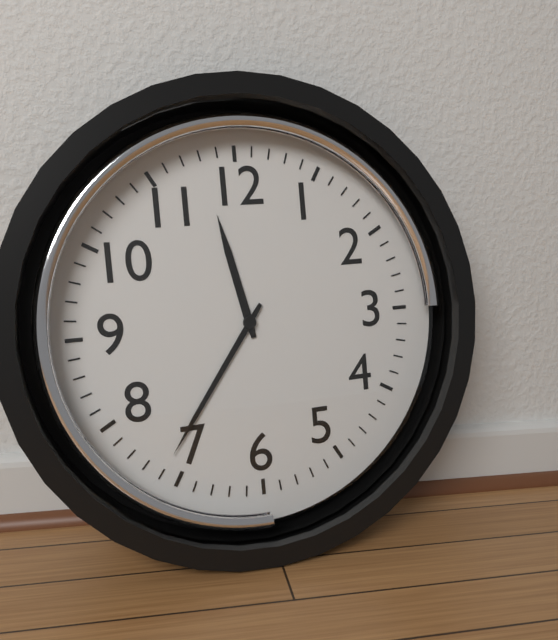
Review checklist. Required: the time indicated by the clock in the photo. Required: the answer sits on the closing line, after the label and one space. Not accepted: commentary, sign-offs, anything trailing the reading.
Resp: 11:36
